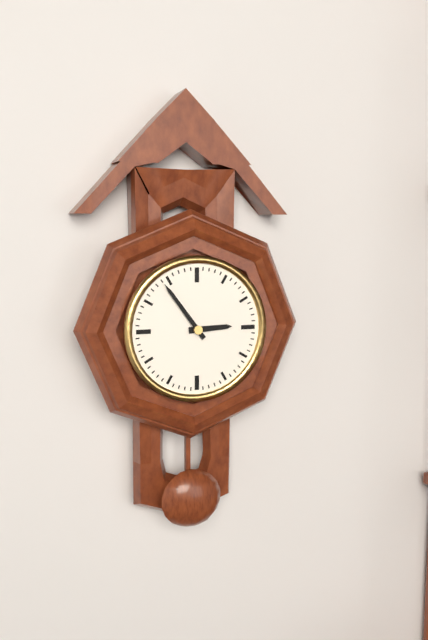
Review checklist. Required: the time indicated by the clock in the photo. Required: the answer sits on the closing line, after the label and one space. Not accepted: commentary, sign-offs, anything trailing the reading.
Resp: 2:54
